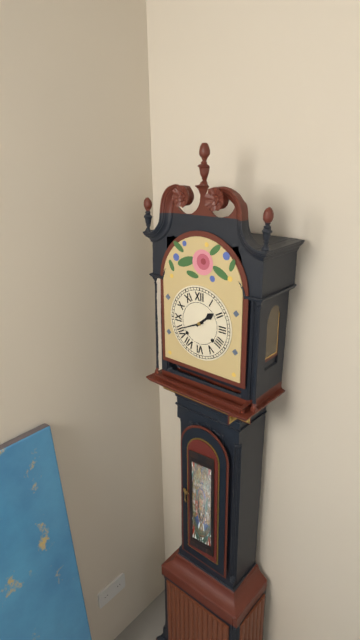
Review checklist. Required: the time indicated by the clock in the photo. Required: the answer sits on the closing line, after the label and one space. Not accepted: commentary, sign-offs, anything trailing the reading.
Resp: 1:41
